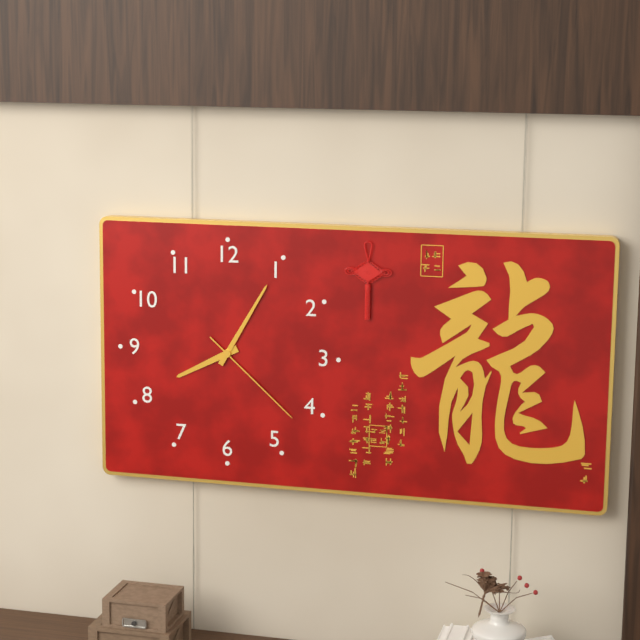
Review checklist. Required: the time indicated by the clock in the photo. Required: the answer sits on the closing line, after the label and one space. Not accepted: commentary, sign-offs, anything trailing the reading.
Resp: 8:05:22
